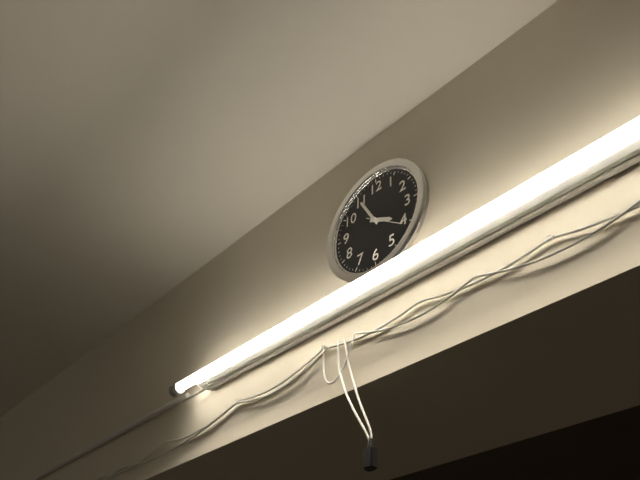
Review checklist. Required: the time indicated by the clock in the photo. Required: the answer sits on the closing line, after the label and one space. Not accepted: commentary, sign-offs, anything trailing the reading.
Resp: 3:55
